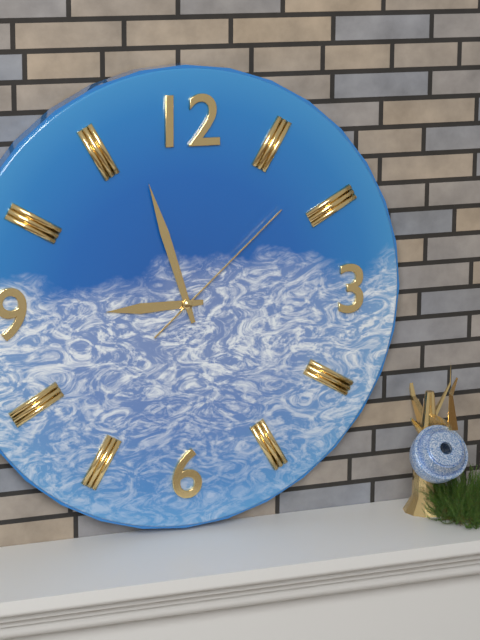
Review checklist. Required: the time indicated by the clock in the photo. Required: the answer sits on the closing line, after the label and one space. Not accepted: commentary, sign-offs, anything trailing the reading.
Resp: 8:57:08
